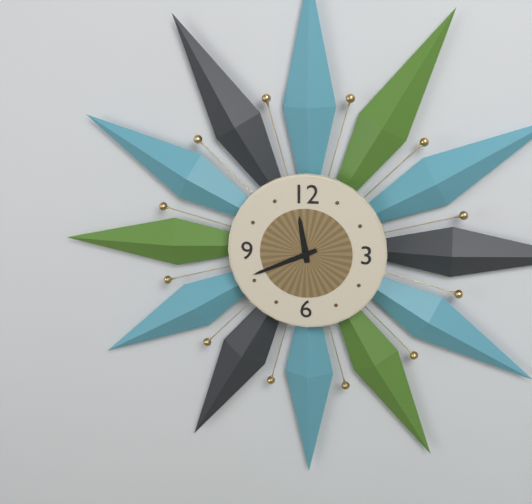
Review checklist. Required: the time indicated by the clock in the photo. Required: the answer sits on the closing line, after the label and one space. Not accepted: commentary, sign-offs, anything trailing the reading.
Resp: 11:41
